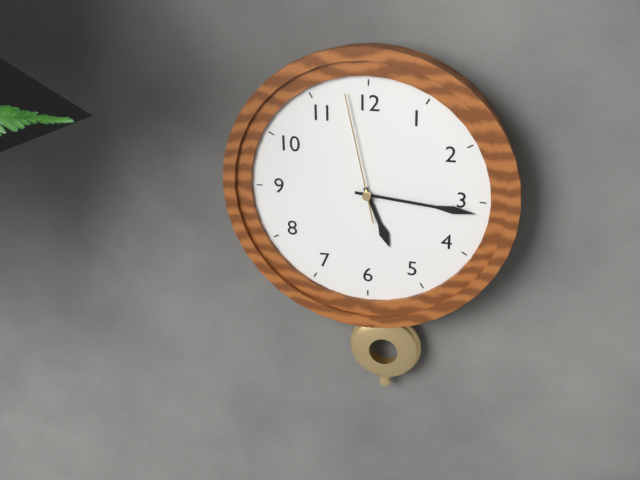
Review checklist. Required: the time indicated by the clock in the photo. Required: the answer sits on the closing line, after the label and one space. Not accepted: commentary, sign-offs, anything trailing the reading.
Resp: 5:16:58
